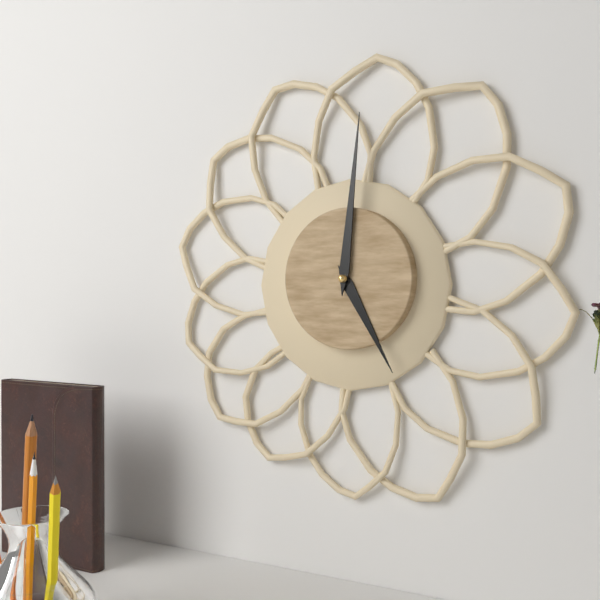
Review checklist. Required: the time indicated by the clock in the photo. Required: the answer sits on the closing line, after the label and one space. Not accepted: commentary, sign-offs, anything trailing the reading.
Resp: 5:01
